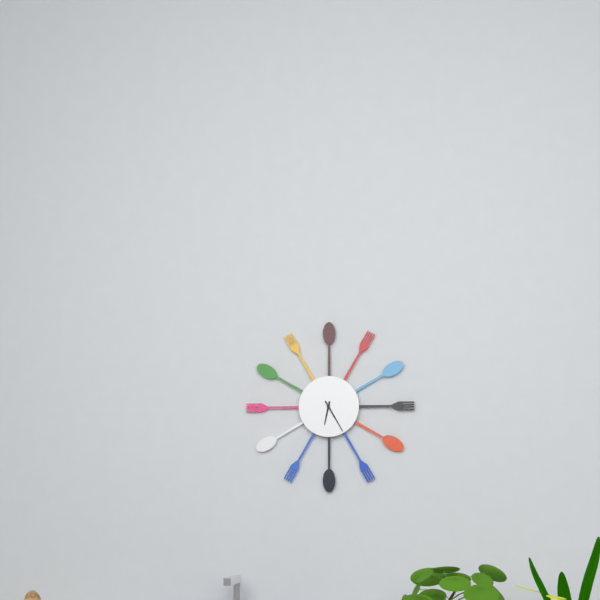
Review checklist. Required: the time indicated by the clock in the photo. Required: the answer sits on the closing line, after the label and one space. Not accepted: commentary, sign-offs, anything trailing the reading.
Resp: 6:25
